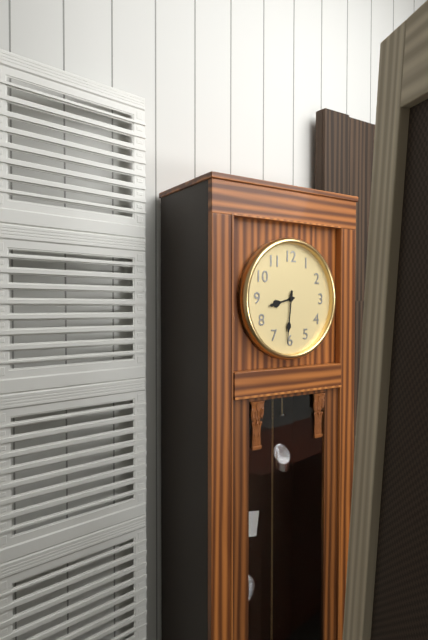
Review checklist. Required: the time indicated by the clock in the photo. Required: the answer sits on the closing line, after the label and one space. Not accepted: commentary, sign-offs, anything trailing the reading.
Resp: 8:31
